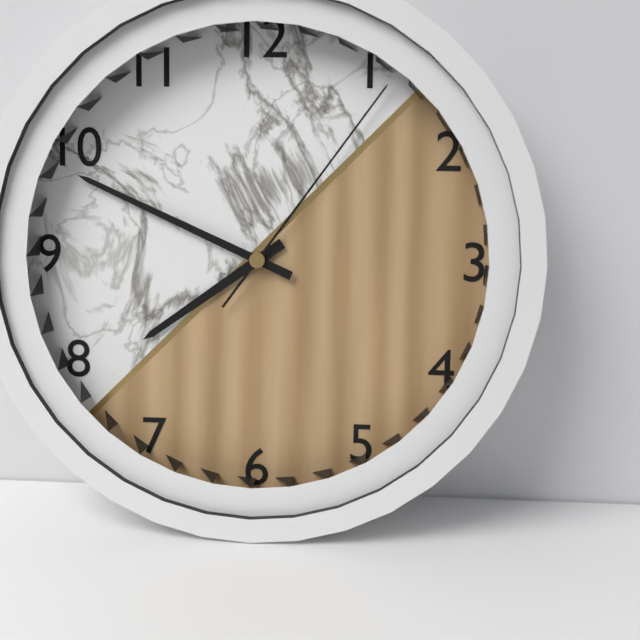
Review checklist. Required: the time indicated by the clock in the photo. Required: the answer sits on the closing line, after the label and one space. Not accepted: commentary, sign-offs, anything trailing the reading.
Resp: 7:49:06
